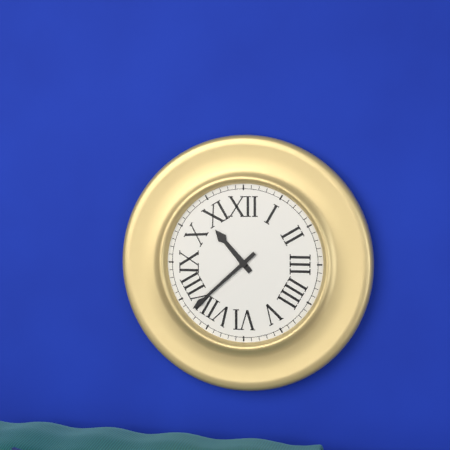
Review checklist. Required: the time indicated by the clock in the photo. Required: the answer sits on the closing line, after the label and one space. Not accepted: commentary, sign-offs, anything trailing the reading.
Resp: 10:38
